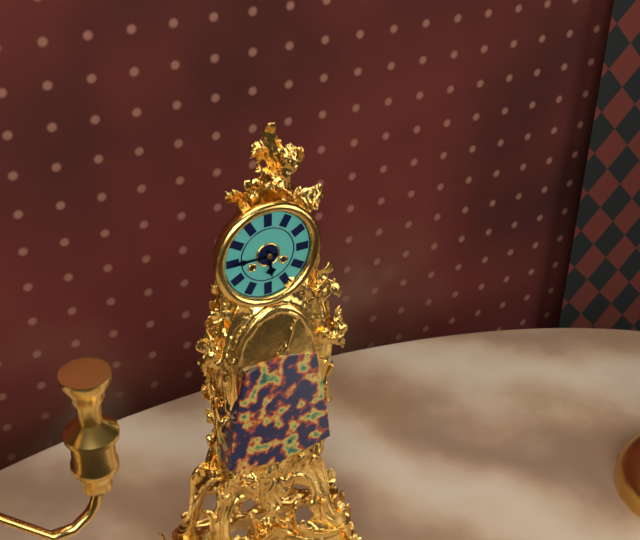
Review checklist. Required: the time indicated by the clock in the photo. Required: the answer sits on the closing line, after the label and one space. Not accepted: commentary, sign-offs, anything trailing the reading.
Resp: 5:45
